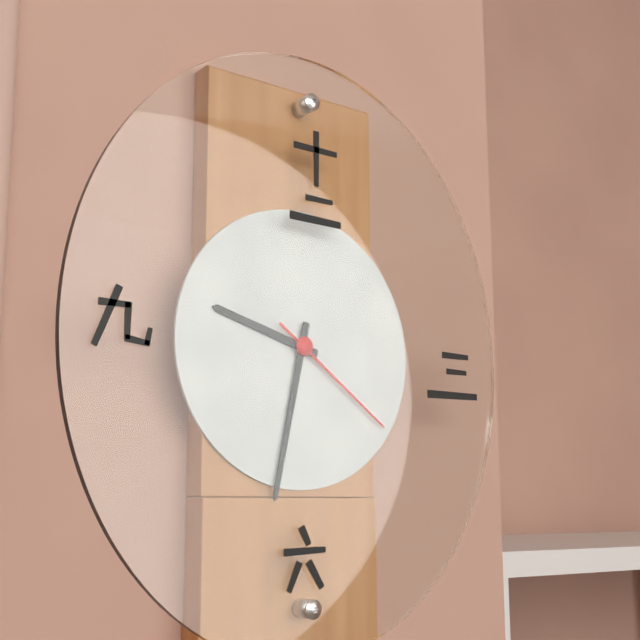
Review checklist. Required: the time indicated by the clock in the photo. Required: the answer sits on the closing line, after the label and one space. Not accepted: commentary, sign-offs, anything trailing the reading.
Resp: 9:32:21
